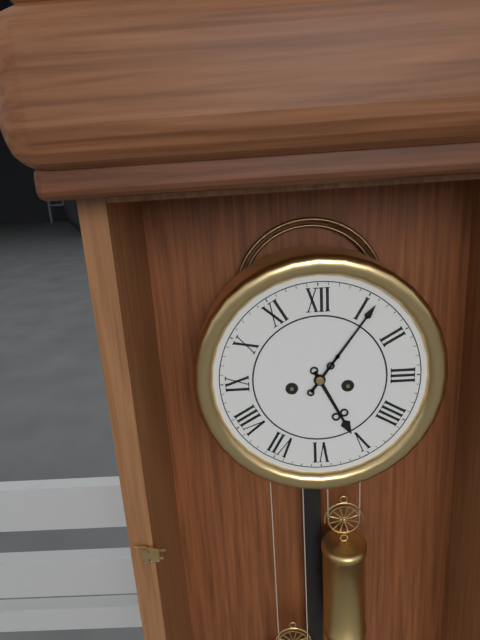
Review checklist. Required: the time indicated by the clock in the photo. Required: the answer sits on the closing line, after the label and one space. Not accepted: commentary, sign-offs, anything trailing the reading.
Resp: 5:06
